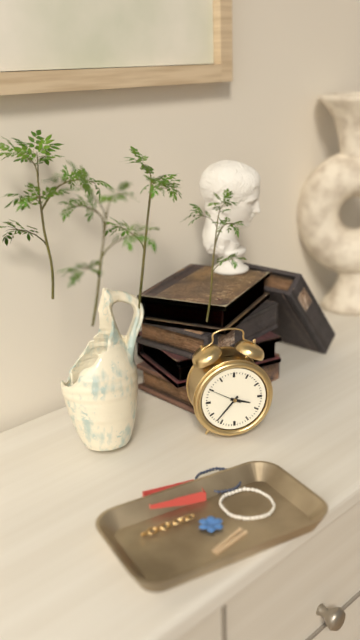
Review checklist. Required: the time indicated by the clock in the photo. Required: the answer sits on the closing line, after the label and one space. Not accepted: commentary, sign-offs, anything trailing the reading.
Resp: 3:37
